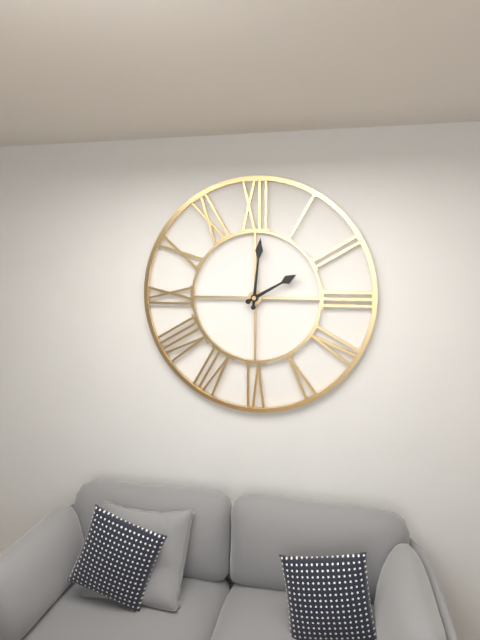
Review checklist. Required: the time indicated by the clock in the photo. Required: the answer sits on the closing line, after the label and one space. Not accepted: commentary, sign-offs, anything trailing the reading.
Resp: 2:01
